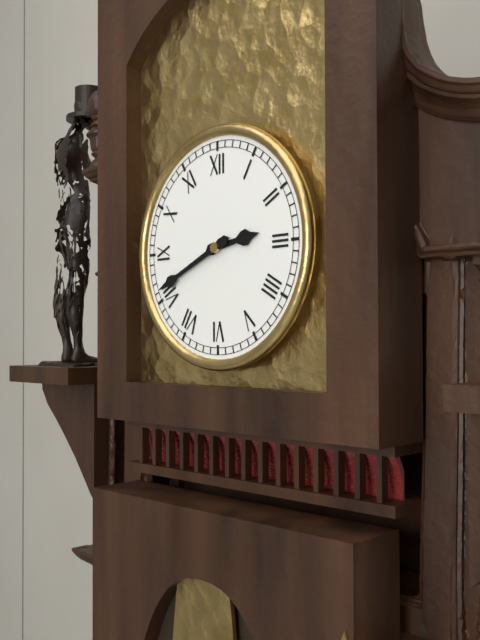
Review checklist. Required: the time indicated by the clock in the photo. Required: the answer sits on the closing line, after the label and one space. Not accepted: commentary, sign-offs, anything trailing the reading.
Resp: 2:41
